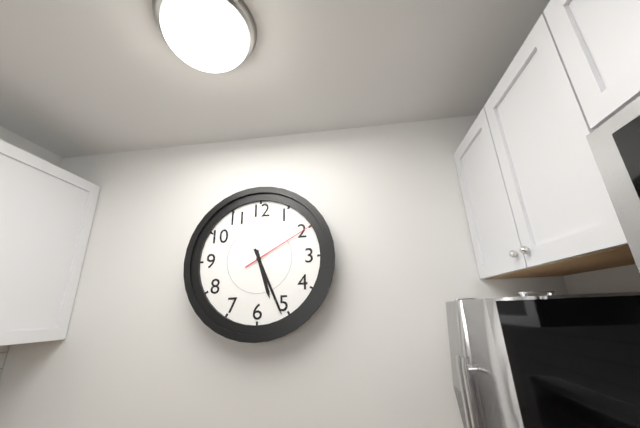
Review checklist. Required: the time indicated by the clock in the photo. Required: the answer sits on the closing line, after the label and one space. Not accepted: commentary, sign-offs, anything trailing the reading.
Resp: 5:26:10
